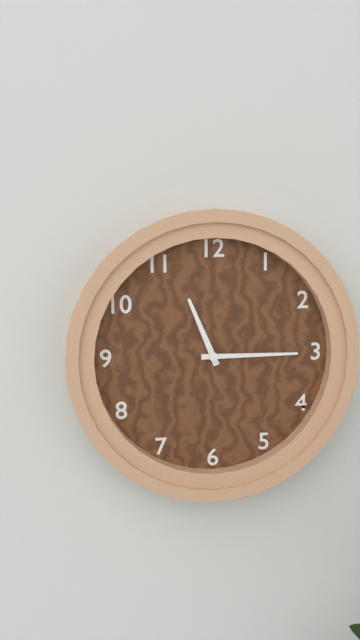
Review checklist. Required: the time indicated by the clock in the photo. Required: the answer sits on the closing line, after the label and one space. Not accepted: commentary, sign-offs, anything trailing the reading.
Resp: 11:15
